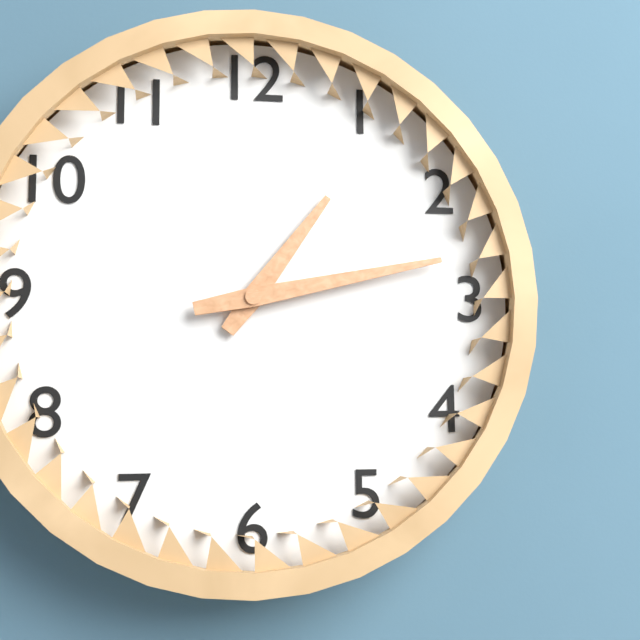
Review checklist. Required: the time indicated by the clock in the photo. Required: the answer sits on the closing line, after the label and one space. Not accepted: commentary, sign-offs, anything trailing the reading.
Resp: 1:13
